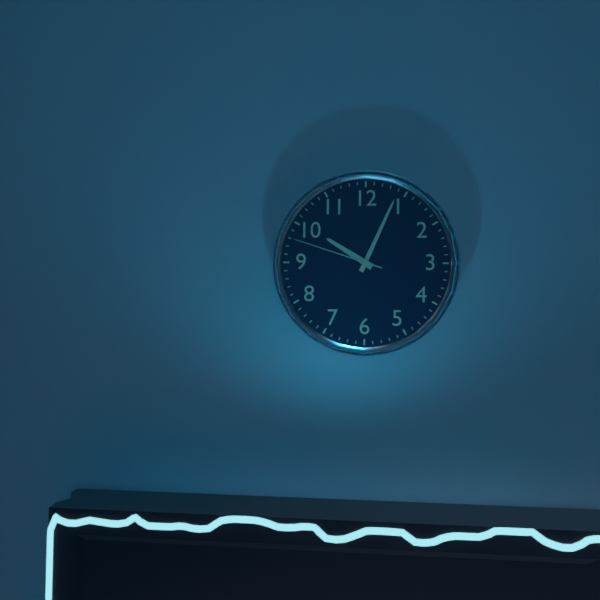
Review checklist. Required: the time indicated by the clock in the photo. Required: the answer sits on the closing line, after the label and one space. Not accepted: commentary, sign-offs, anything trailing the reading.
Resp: 10:04:48
